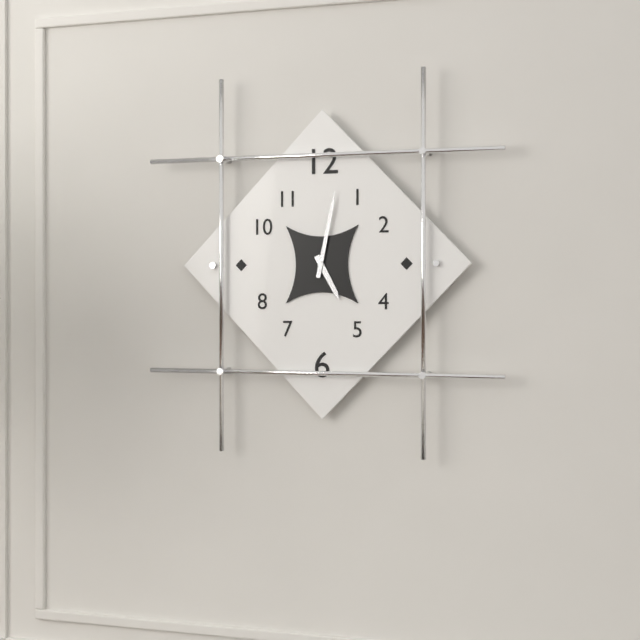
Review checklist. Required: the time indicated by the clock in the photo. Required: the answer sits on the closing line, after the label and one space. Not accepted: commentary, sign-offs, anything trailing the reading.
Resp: 5:02
